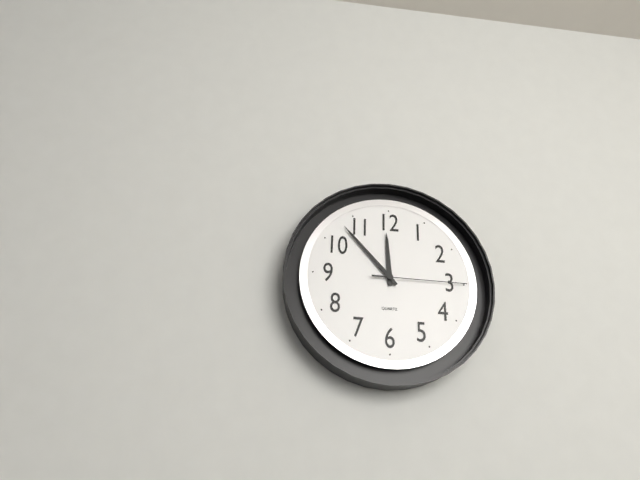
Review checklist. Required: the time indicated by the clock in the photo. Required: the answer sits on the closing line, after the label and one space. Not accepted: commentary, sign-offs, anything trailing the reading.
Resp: 11:53:15
